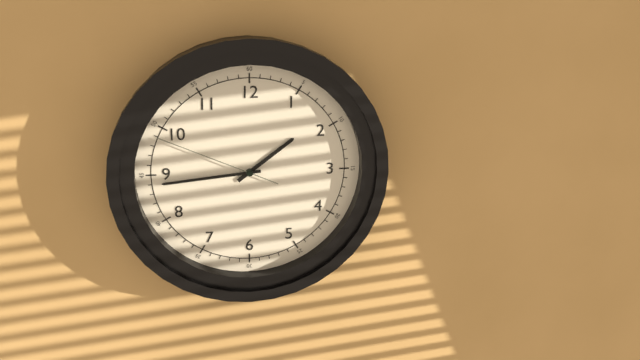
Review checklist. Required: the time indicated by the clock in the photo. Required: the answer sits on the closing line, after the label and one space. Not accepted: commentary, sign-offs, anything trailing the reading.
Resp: 1:44:49
